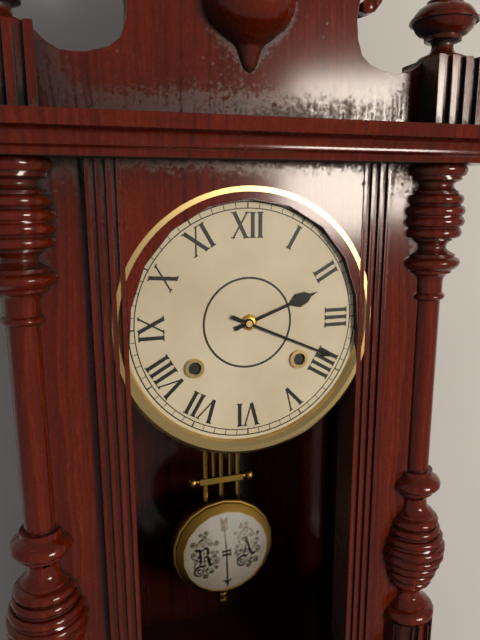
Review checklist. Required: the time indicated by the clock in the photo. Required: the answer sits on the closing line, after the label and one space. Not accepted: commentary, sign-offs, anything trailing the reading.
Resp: 2:19
